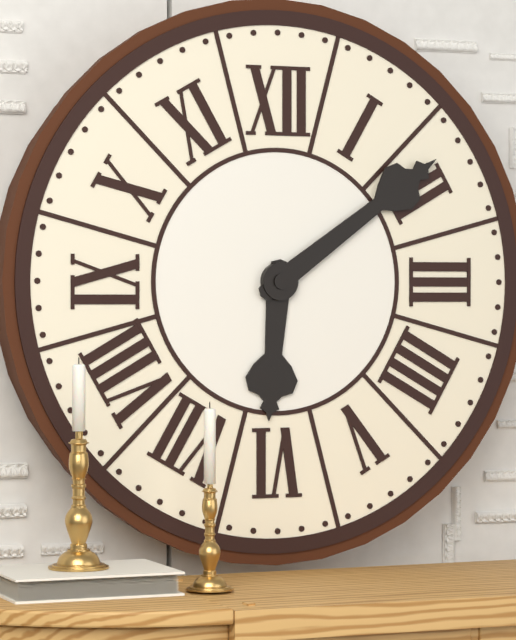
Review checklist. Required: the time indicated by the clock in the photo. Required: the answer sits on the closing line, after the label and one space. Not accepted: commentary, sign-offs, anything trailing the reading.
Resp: 6:09
